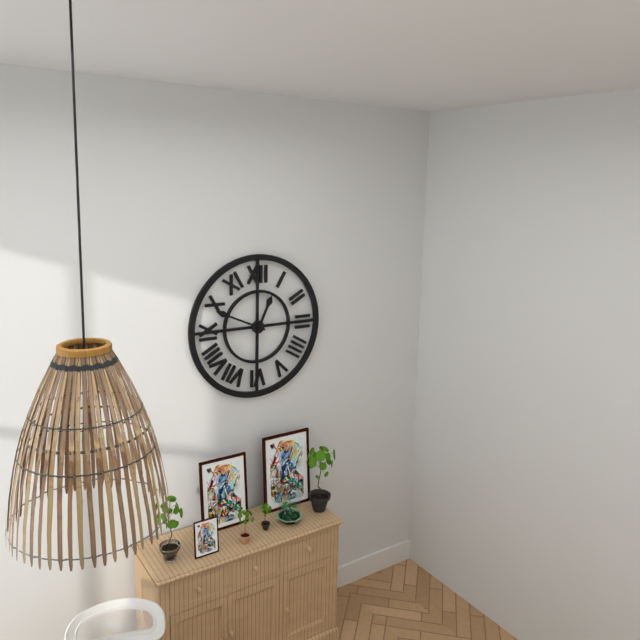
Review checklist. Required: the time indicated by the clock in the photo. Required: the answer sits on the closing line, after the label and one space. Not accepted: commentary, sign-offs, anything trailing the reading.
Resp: 12:49
